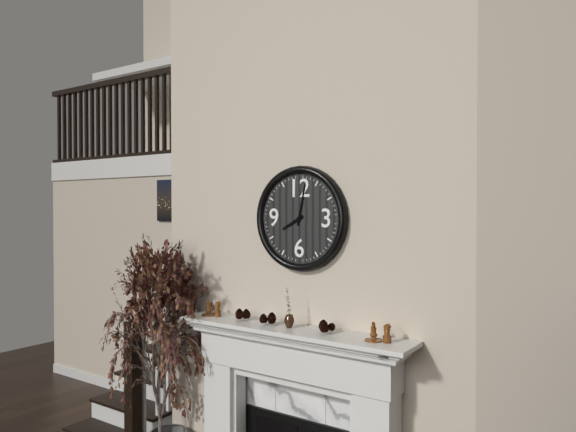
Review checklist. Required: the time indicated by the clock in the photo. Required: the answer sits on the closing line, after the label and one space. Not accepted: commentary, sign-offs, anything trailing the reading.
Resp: 8:02
